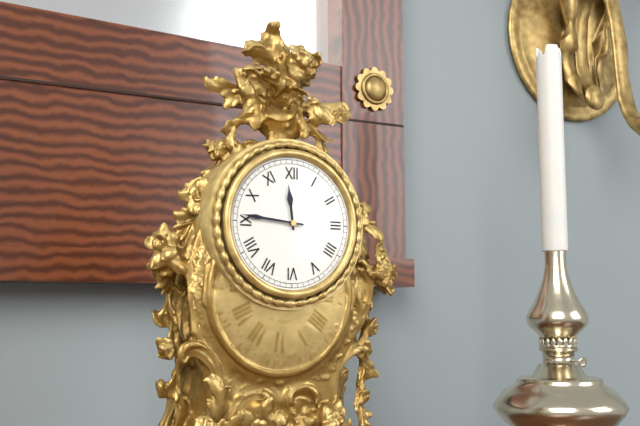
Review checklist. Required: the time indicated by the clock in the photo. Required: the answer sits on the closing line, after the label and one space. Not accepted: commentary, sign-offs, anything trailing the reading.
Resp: 11:46
